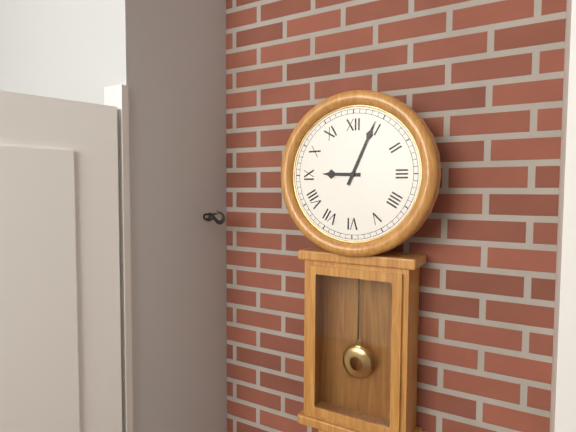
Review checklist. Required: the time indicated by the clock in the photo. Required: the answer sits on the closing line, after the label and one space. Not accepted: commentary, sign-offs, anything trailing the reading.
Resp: 9:04
